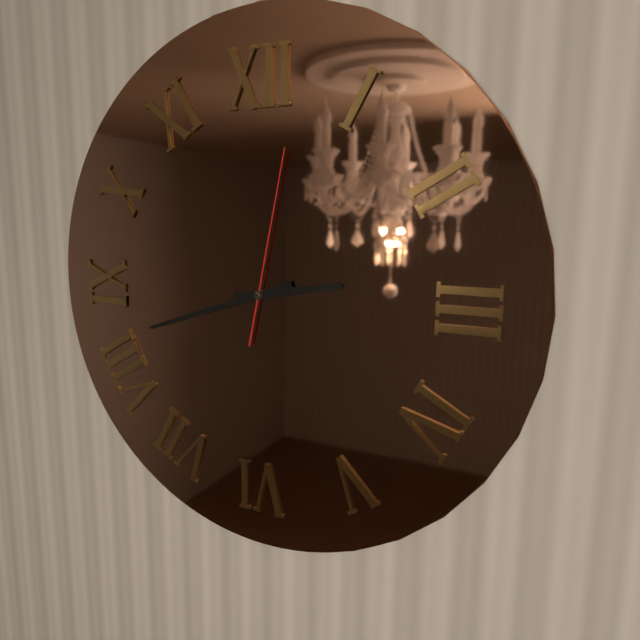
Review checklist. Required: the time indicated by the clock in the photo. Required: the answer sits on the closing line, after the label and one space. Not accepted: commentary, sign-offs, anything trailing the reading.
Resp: 2:42:02
